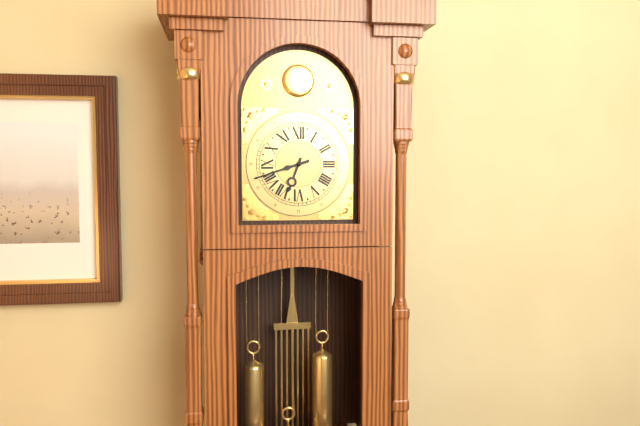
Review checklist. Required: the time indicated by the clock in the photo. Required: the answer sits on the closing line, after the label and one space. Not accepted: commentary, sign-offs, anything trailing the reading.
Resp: 6:42
